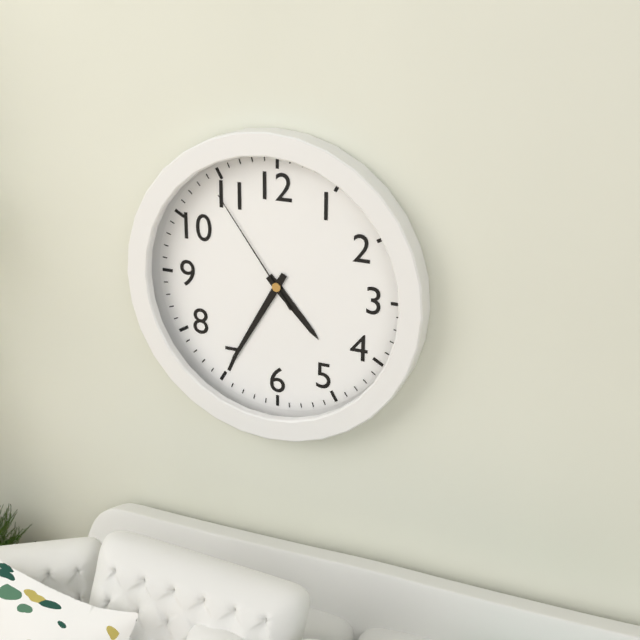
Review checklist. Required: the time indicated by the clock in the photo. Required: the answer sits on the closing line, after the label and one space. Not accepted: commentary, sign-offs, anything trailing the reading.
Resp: 4:35:54
